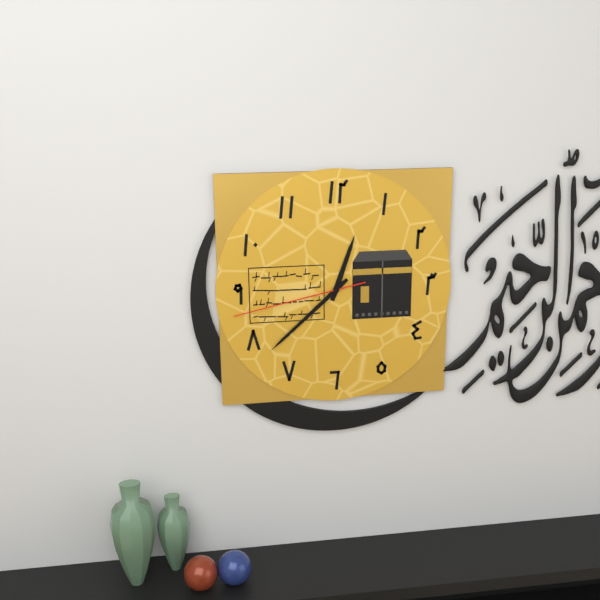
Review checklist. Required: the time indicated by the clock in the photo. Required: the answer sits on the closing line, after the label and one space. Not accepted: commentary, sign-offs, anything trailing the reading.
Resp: 12:38:43
